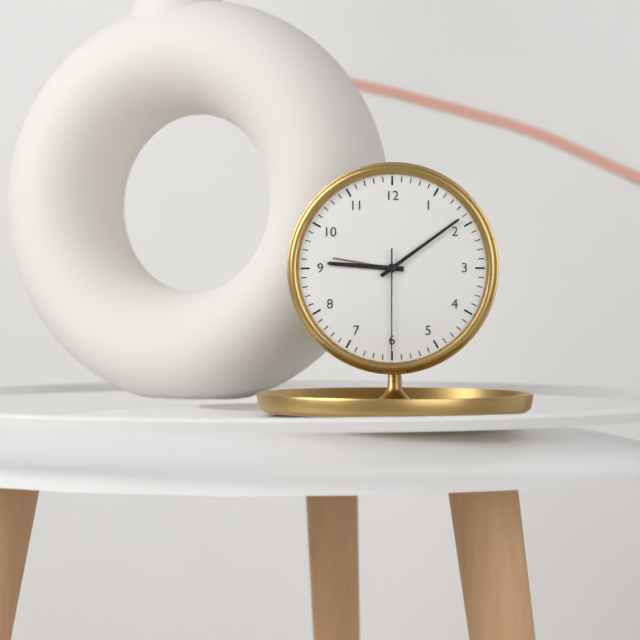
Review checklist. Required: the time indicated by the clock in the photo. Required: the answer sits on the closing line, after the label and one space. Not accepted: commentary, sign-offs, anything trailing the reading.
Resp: 9:09:30
